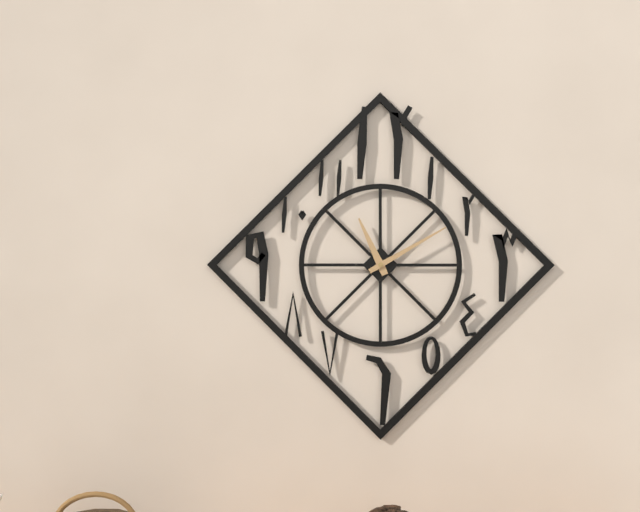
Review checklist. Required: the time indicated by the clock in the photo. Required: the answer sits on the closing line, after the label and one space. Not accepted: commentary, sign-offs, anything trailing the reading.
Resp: 11:10
